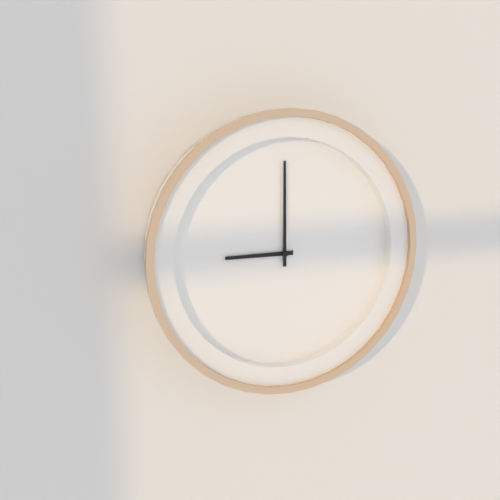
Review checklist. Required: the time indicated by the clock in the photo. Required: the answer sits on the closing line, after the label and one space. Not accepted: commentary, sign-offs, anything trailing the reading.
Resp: 9:00
